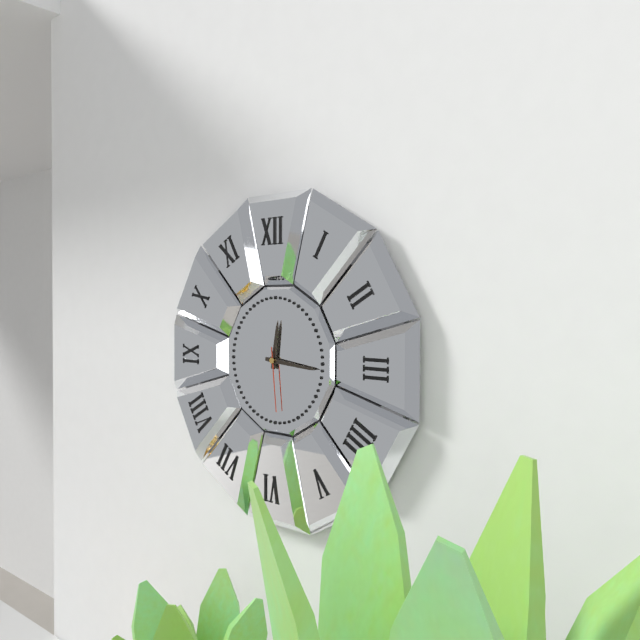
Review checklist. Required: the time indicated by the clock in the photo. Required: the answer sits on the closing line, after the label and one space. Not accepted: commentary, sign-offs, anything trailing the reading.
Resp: 12:16:29
